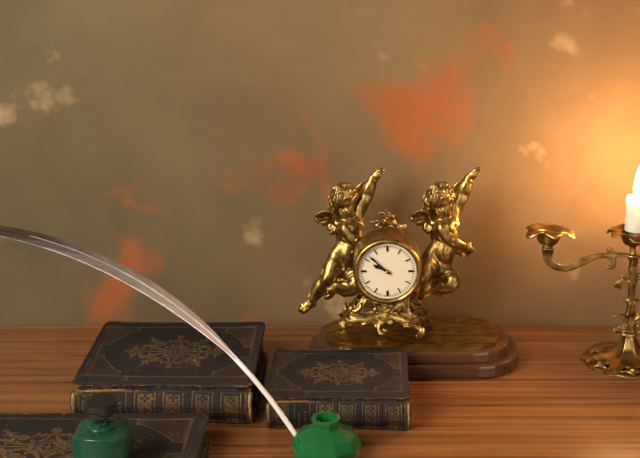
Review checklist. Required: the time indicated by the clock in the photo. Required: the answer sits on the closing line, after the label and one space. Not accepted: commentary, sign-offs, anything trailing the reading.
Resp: 9:52
